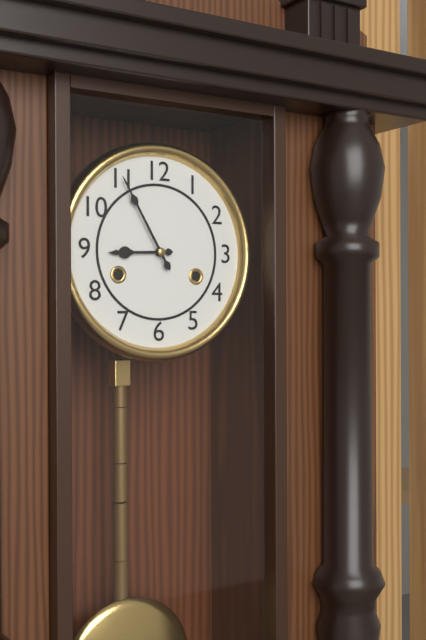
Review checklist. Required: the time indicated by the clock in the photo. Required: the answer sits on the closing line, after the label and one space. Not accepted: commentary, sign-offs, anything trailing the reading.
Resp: 8:55
